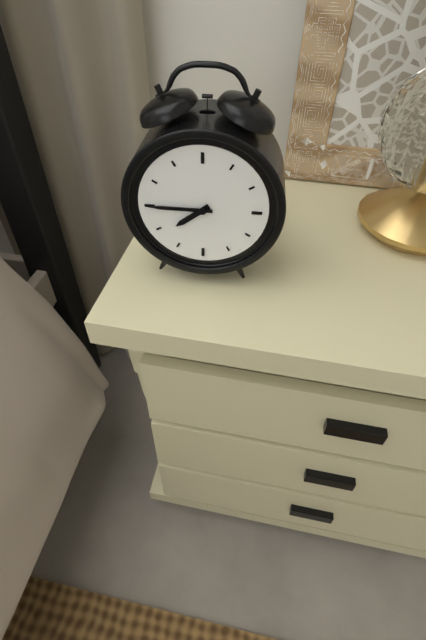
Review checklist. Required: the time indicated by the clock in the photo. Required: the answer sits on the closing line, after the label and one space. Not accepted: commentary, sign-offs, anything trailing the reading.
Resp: 7:45
